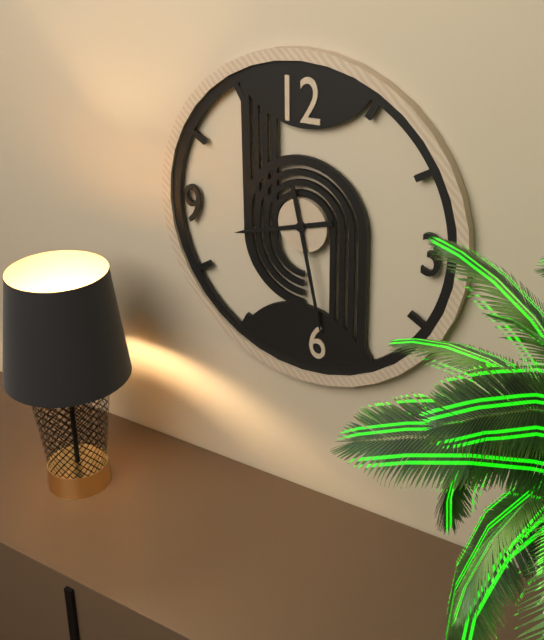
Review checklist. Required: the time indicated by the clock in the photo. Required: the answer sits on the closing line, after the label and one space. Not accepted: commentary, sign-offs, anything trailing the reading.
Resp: 8:28
